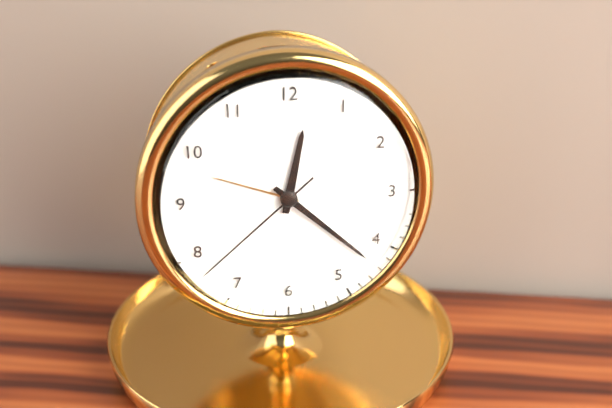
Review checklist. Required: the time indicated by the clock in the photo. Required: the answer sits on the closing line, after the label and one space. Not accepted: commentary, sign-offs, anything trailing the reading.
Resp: 12:22:38
